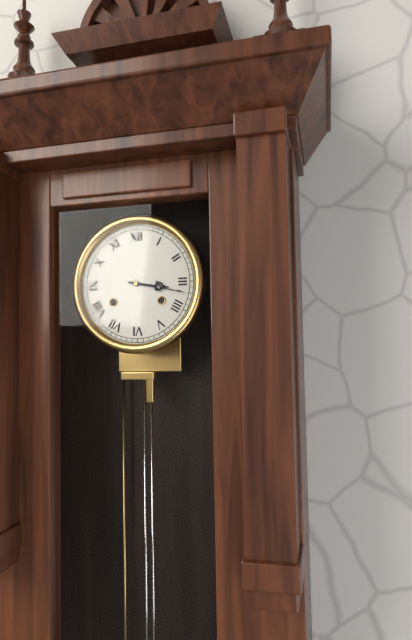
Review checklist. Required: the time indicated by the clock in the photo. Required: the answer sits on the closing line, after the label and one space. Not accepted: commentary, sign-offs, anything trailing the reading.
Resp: 3:17
